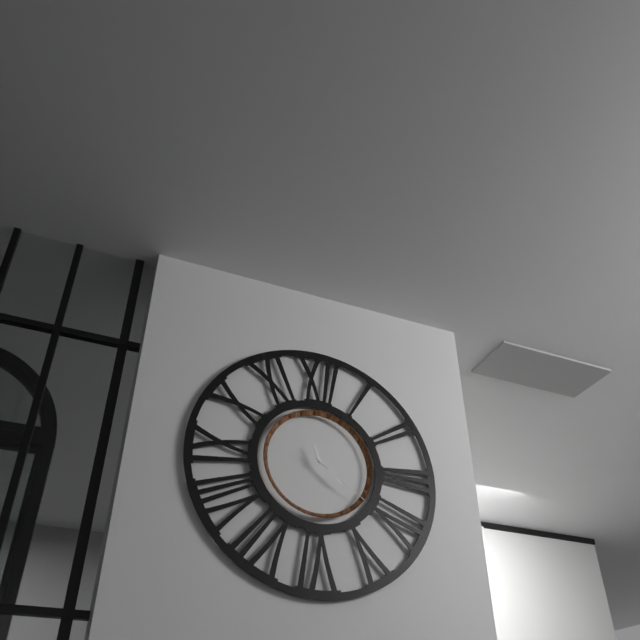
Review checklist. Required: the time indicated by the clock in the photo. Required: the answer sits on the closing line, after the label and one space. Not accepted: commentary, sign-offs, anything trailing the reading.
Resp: 11:22:21
